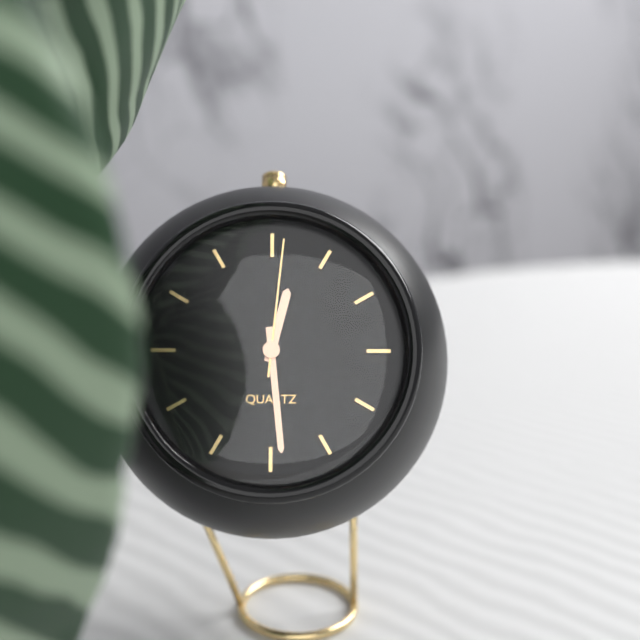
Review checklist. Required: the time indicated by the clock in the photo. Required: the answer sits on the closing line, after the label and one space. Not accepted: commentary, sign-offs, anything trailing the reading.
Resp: 12:29:01
